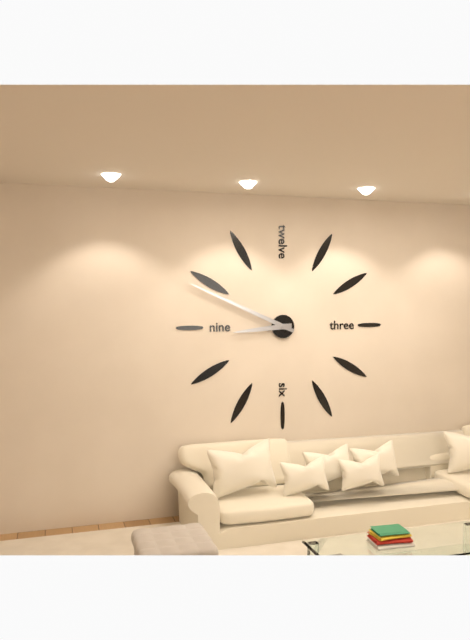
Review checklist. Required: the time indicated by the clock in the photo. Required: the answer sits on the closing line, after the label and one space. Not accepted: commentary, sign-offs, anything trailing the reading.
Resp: 8:49
